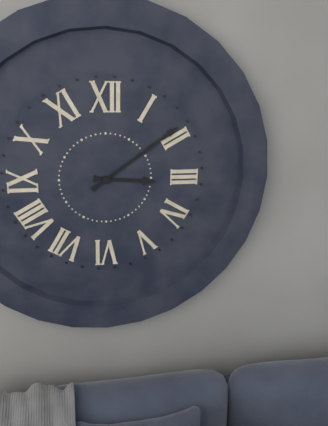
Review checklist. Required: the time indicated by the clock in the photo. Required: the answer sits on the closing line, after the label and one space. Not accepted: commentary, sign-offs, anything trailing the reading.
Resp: 3:09
